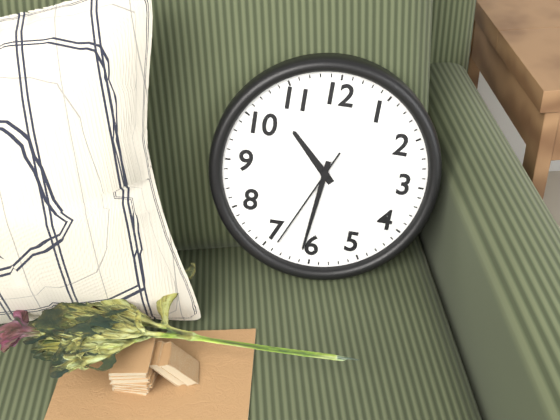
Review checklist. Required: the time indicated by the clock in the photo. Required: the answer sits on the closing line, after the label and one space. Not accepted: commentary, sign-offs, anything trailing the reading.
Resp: 10:31:34
